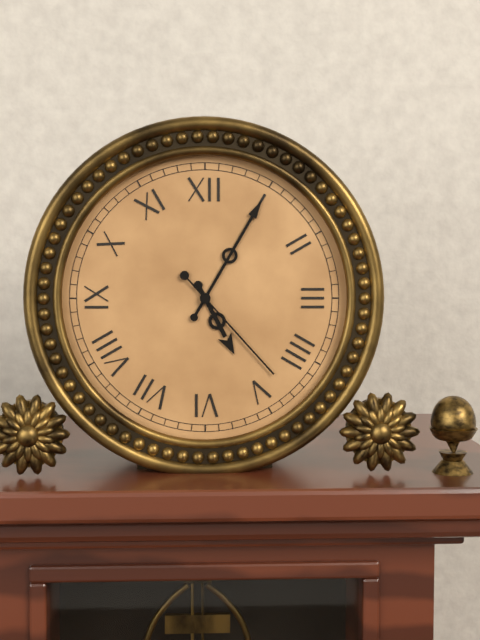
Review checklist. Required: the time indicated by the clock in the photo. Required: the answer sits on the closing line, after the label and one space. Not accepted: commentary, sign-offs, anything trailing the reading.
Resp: 5:05:23
